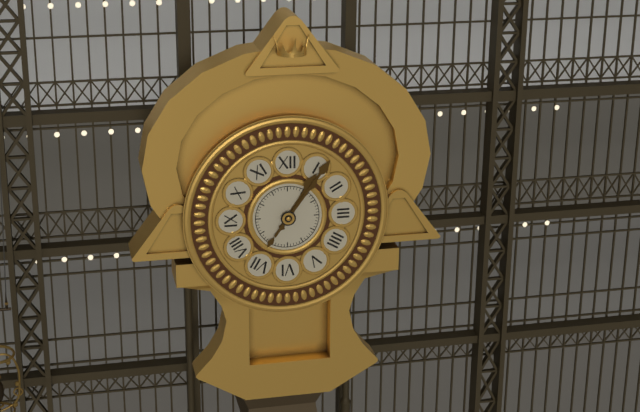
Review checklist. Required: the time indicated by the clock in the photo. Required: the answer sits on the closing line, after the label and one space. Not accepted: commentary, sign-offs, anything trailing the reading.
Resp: 1:06
